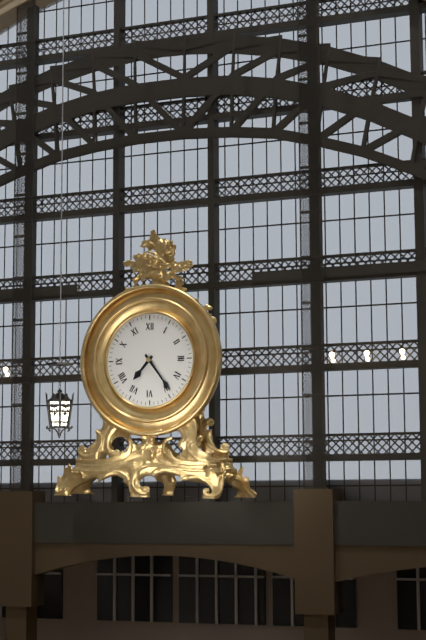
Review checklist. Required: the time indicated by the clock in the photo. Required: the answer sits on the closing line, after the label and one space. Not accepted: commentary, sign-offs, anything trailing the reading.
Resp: 7:24
